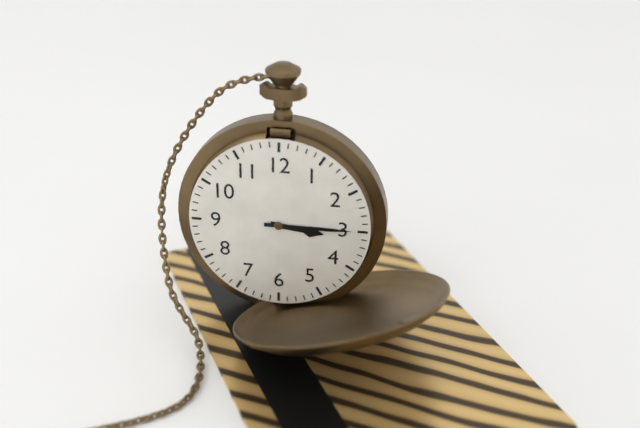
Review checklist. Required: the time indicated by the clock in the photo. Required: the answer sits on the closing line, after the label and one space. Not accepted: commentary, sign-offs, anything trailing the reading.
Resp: 3:15
